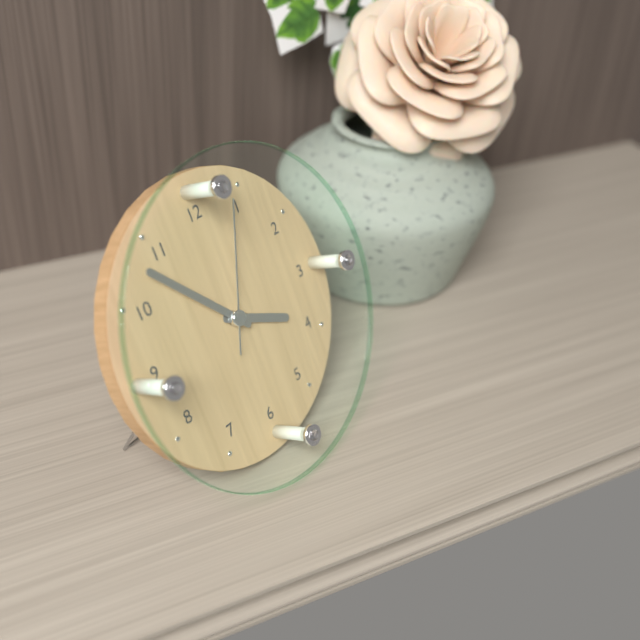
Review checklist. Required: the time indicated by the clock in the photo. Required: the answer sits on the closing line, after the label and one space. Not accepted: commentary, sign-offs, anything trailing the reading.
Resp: 3:53:04
